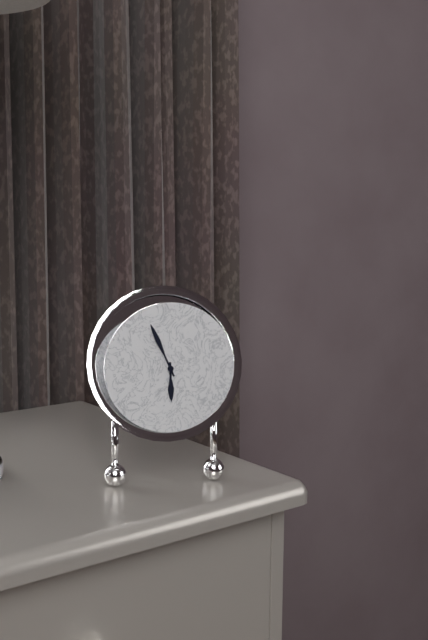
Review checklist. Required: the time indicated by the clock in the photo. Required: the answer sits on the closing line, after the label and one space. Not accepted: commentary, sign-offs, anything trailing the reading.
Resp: 5:56
